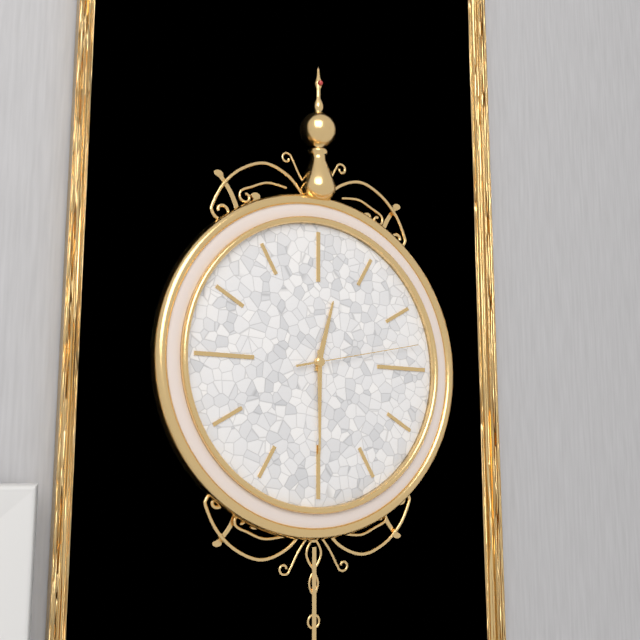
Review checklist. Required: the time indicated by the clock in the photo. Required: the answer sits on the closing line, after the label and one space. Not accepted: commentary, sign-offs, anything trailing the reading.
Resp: 12:30:13
